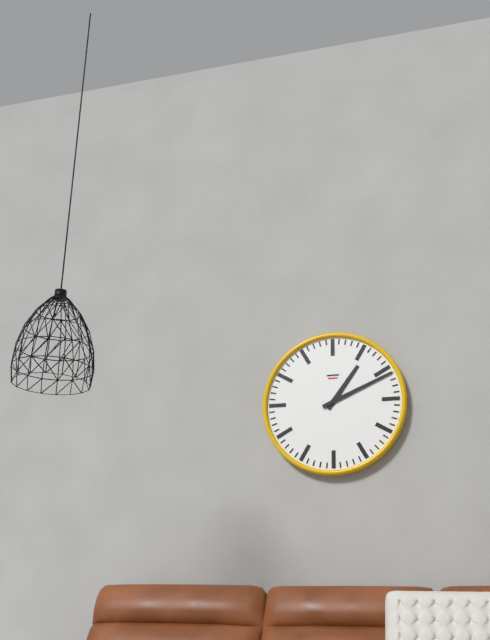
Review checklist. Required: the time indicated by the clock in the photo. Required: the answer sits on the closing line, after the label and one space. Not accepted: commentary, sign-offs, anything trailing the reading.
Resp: 1:11
